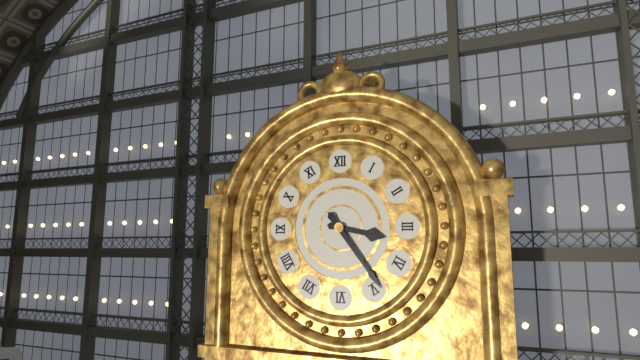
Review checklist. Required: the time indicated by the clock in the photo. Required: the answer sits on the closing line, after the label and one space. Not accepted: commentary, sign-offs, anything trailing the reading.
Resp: 3:24
